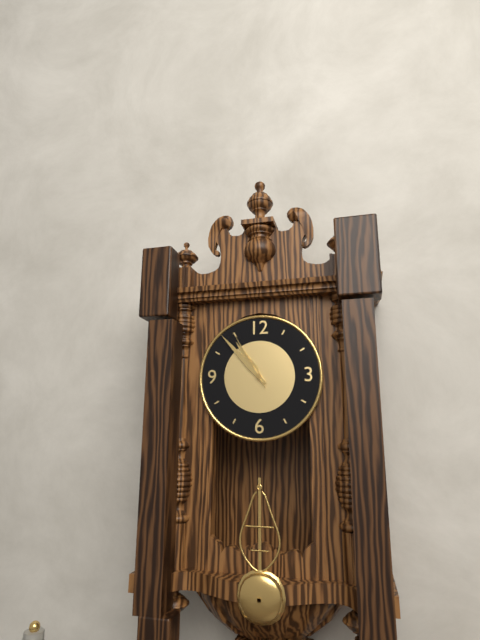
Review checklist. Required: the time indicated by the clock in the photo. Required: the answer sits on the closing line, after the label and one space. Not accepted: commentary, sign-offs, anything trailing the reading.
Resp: 10:53:55
